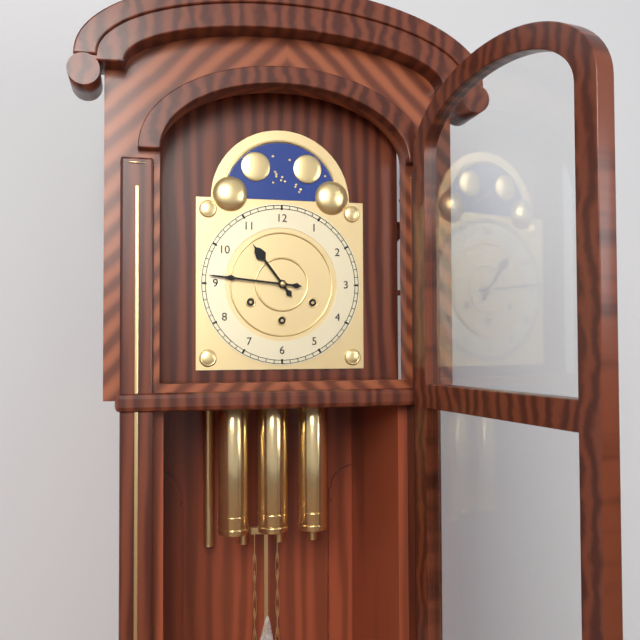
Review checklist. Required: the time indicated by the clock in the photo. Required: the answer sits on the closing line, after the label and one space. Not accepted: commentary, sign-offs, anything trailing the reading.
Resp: 10:46
